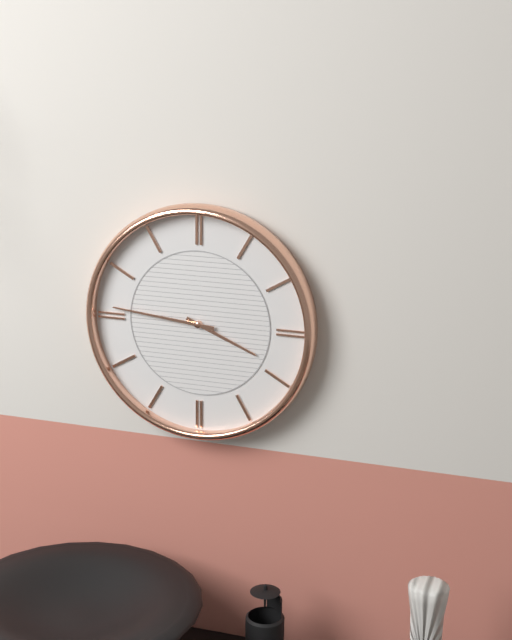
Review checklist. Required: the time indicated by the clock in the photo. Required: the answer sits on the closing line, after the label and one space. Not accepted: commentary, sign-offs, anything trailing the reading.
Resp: 3:46
